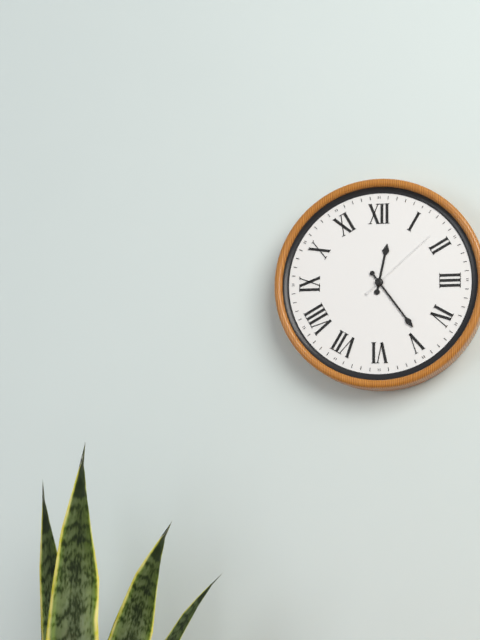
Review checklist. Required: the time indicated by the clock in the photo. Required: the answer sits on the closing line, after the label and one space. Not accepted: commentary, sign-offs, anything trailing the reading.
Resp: 12:24:08
